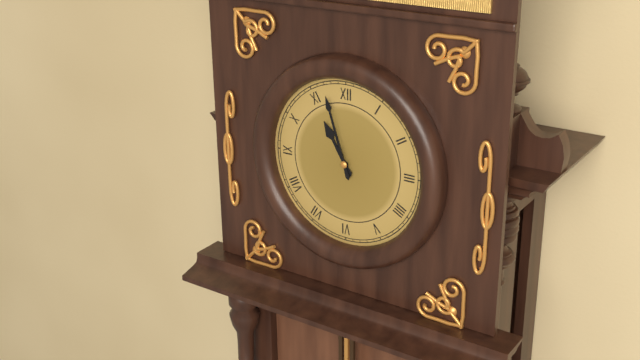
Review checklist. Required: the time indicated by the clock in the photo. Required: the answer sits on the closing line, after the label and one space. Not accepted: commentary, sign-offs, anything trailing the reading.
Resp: 10:57
